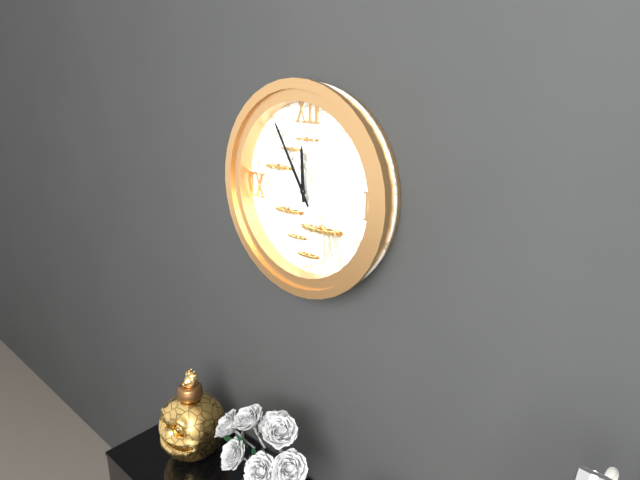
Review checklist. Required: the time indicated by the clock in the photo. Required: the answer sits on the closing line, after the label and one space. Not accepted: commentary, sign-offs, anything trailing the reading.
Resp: 11:55
